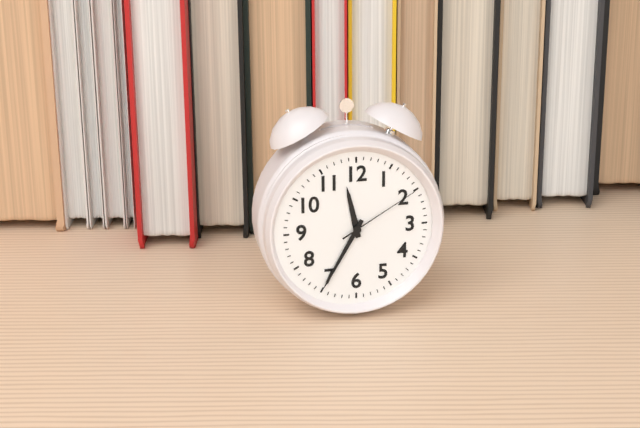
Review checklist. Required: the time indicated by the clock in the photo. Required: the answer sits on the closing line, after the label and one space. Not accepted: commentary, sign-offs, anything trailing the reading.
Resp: 11:35:10
